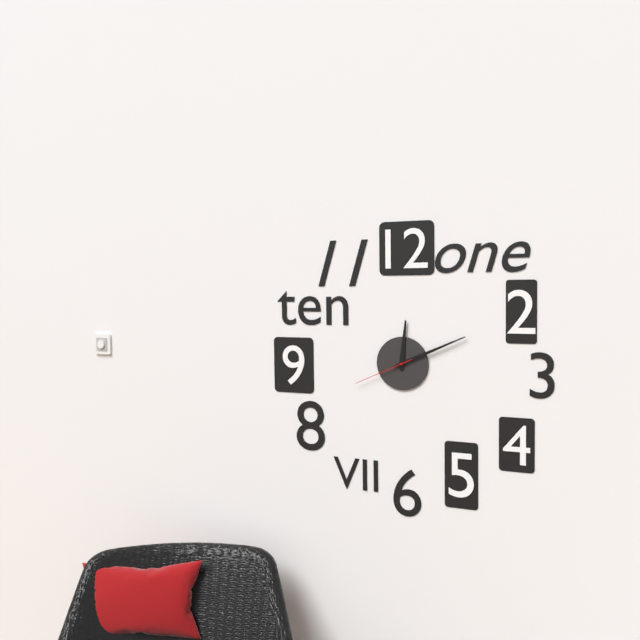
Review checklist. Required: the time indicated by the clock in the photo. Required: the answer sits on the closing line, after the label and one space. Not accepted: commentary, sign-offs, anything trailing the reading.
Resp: 12:11:41
